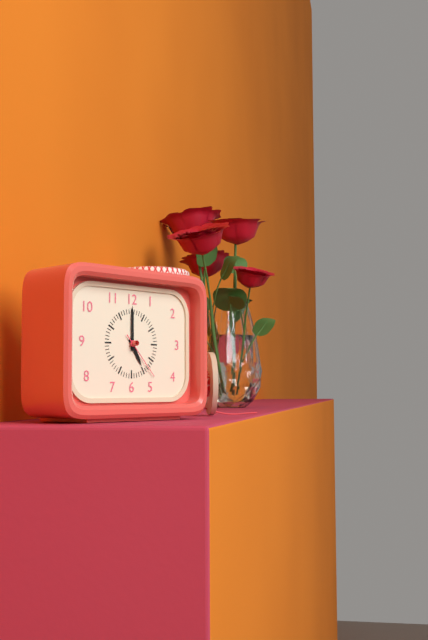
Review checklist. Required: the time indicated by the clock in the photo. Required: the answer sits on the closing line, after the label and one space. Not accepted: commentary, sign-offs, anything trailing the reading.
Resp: 5:00:23
